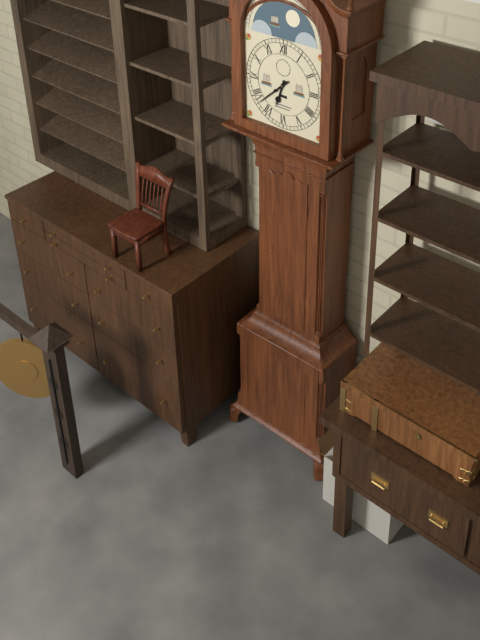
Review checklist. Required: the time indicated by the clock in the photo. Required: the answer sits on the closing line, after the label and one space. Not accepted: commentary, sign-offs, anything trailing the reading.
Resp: 6:38
